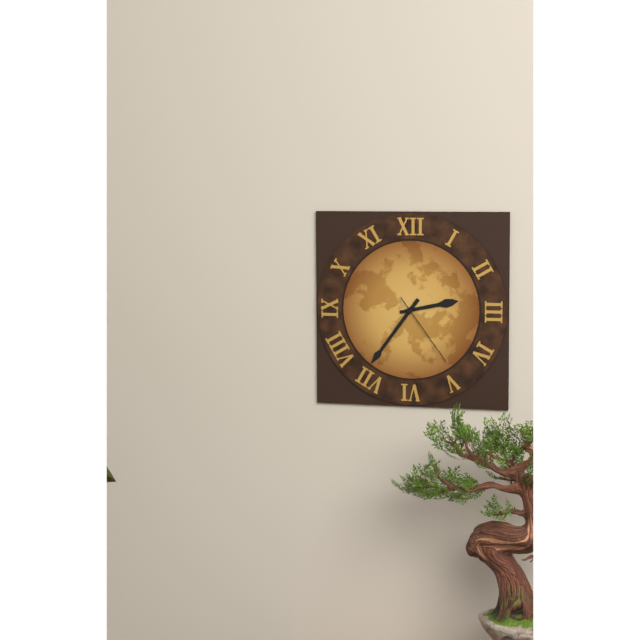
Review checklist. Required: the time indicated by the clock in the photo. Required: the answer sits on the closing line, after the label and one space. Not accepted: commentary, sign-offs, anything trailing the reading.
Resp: 2:36:24
